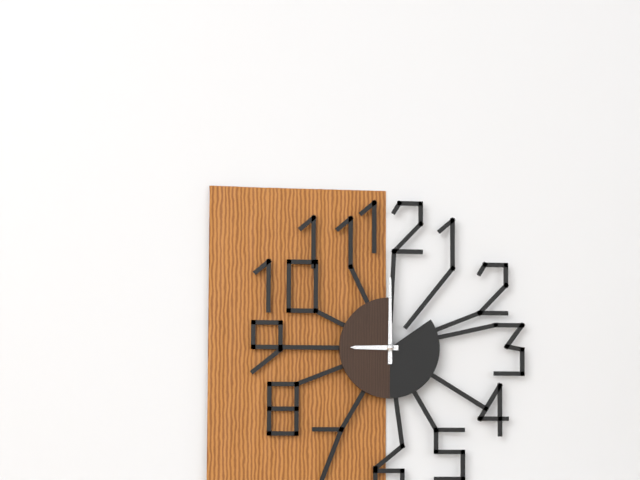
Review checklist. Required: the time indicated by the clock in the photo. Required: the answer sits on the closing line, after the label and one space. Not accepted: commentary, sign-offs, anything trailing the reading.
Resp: 9:00
